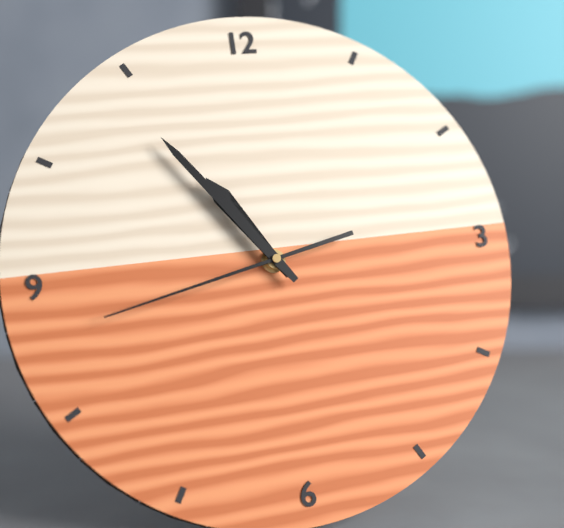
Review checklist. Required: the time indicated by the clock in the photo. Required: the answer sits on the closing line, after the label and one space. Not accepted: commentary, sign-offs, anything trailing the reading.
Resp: 10:54:43
